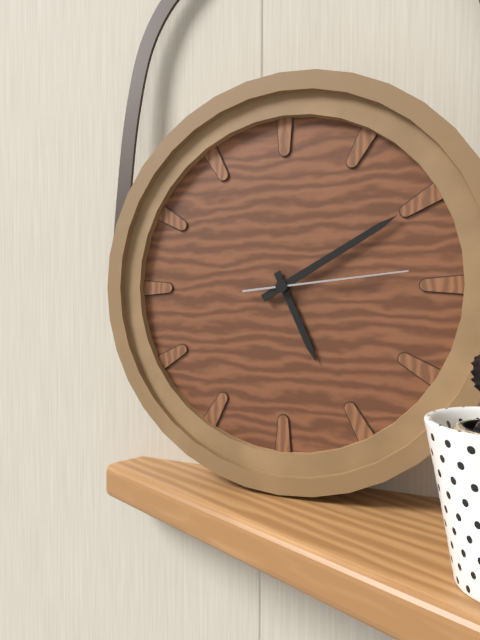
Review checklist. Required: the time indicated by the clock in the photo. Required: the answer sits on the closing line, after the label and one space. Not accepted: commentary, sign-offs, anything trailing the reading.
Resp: 5:10:14
